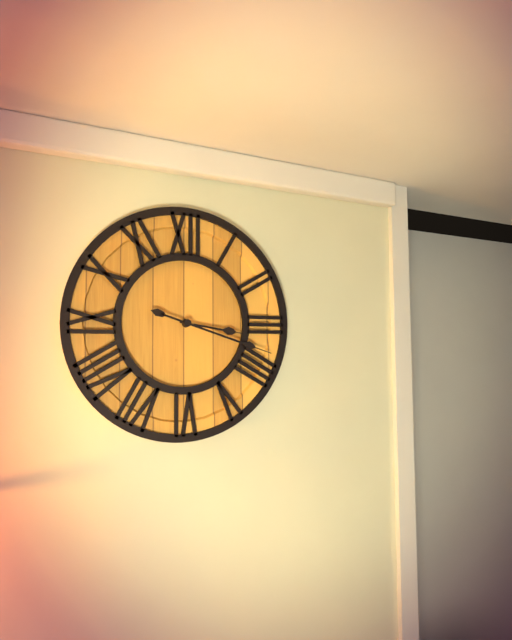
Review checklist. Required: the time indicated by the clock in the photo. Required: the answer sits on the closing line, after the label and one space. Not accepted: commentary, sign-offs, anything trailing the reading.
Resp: 3:18
